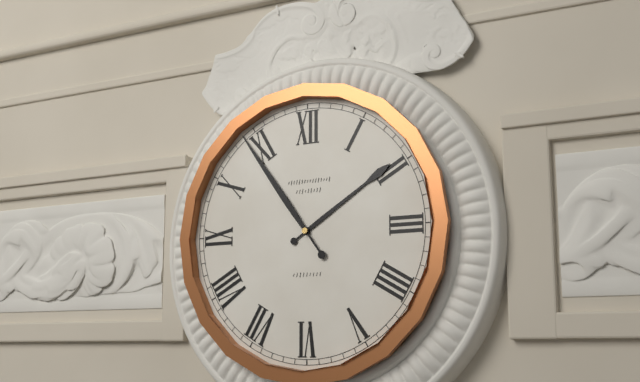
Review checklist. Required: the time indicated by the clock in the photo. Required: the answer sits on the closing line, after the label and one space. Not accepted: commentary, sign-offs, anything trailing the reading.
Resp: 1:54
